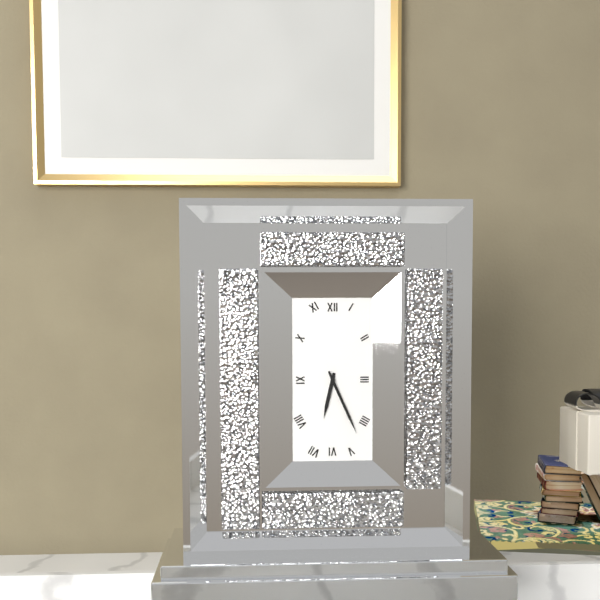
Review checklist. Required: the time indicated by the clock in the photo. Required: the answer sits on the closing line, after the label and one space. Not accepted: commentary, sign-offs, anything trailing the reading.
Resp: 6:26
